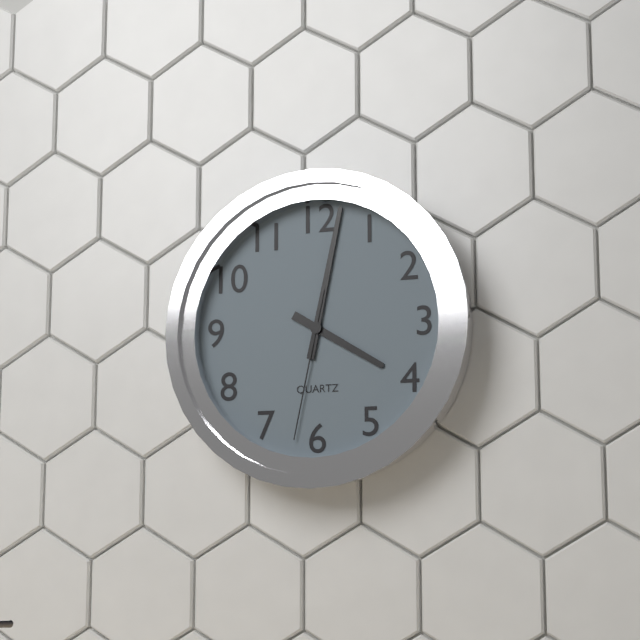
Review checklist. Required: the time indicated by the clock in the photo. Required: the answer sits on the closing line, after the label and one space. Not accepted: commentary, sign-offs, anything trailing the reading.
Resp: 4:02:32
